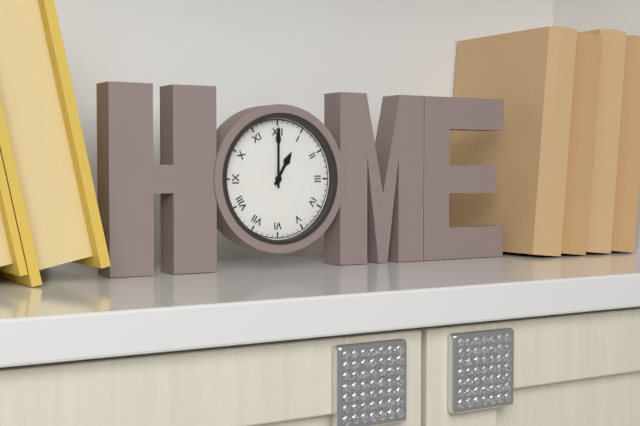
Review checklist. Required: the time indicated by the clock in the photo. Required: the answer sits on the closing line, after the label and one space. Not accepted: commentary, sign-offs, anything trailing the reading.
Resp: 1:00
